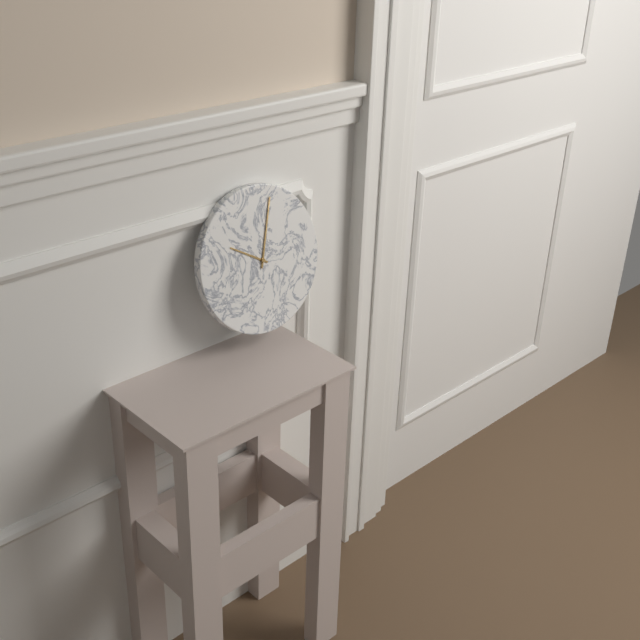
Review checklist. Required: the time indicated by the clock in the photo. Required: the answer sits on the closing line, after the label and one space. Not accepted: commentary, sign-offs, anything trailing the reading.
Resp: 10:03
